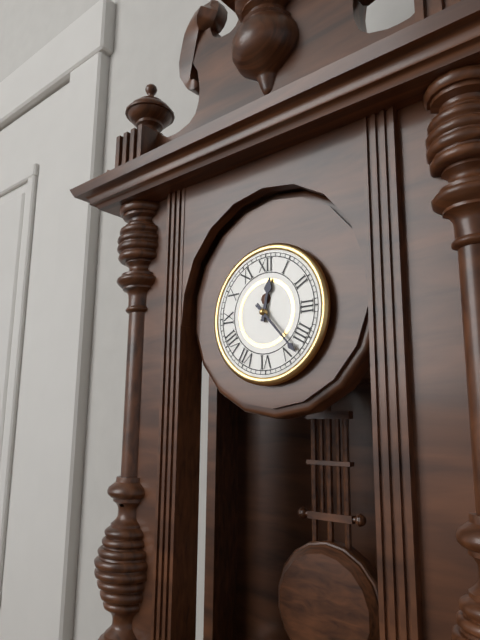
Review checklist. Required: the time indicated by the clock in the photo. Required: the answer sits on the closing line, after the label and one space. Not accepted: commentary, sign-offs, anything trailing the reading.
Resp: 12:23
